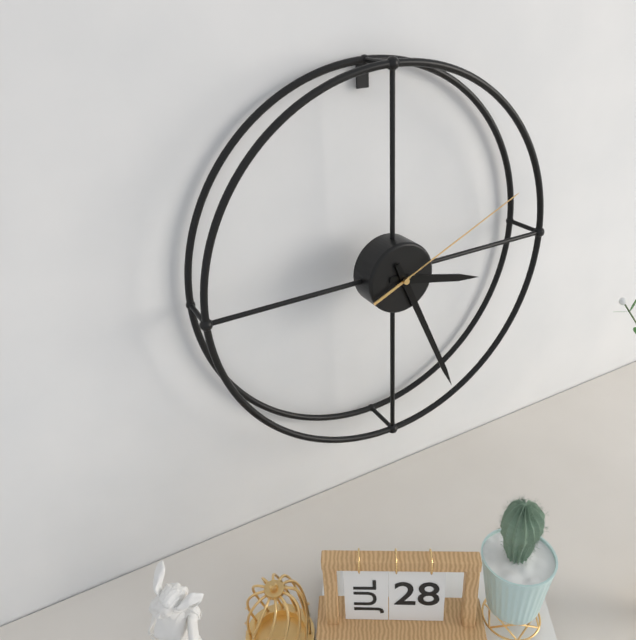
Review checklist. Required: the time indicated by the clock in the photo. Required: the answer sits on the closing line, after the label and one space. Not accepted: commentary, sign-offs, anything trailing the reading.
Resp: 3:26:11
